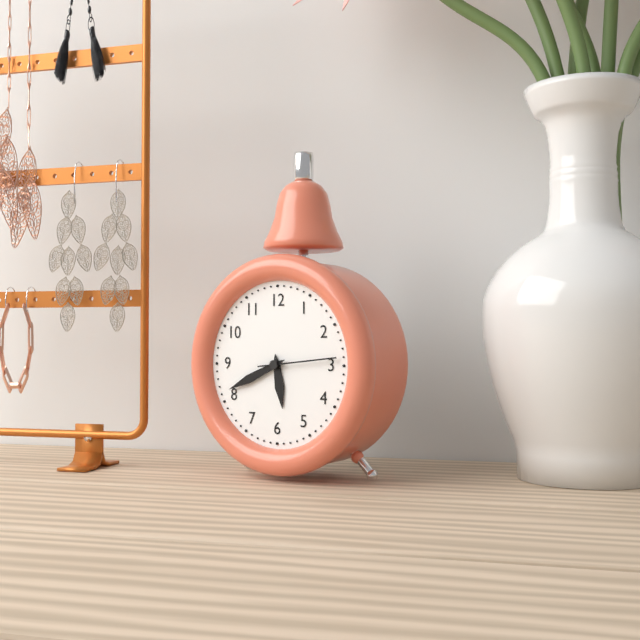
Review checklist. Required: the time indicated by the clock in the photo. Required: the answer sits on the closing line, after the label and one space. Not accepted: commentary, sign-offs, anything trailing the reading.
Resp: 5:41:14
